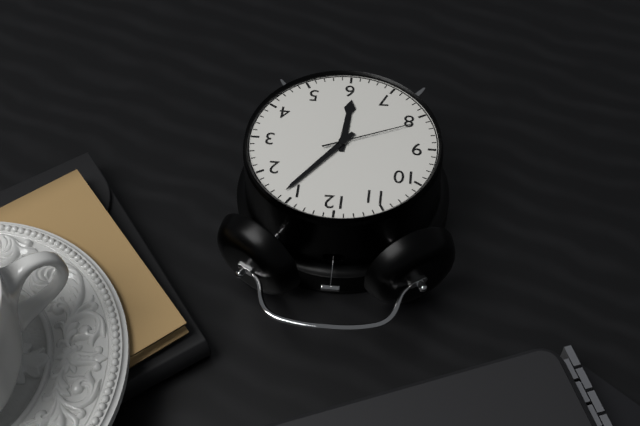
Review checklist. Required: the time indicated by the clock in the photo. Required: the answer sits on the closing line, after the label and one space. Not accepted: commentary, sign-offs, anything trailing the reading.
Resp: 6:06:41
